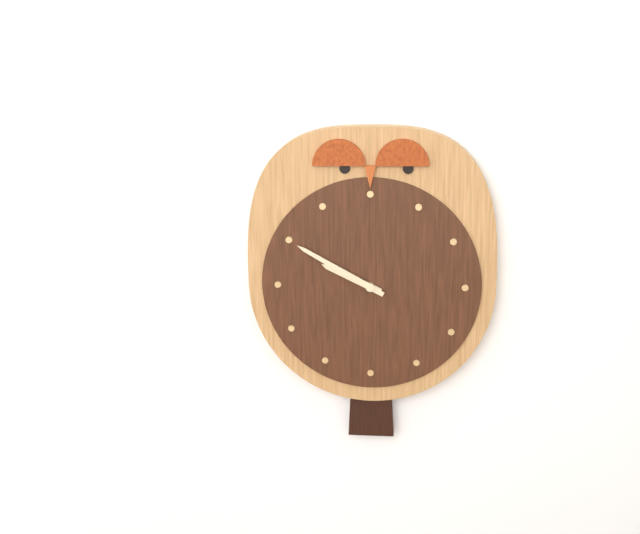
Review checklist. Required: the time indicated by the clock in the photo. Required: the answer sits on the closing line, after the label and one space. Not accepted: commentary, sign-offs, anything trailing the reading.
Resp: 9:50
